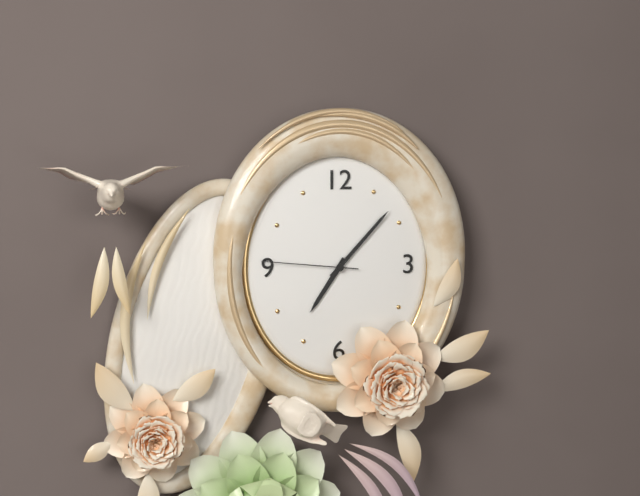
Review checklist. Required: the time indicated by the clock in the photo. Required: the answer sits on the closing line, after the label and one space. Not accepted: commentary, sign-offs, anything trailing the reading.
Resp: 7:07:46
